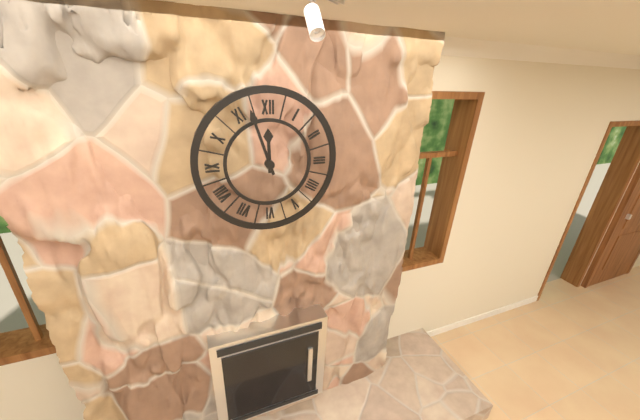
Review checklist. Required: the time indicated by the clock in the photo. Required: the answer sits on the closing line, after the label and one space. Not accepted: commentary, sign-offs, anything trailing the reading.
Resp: 11:57
